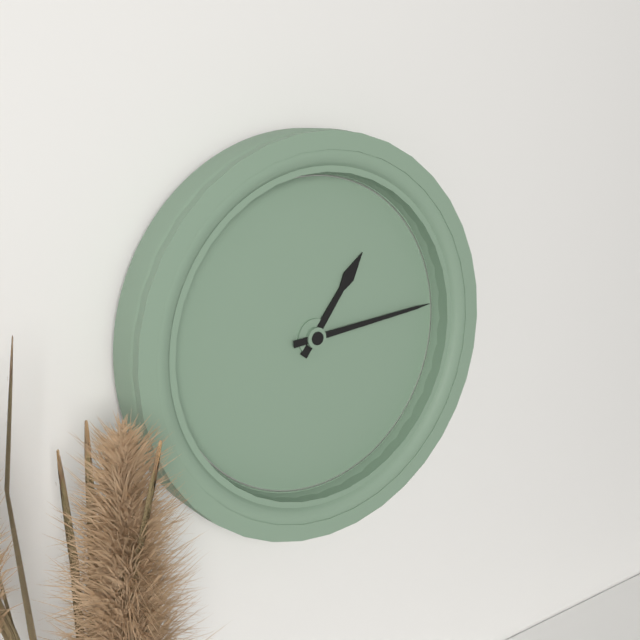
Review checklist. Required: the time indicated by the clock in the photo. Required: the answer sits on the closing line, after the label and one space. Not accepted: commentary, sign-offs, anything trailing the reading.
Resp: 1:14
